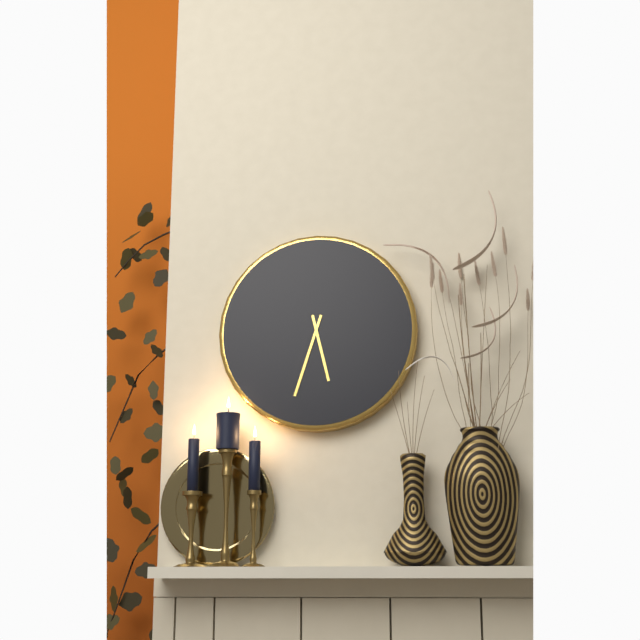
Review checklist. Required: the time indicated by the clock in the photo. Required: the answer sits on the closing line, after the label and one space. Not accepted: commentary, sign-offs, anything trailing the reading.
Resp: 5:33
